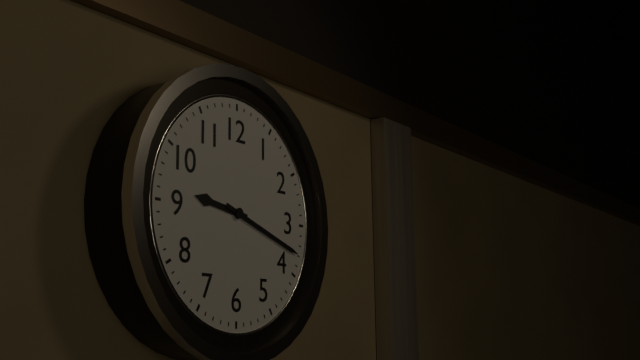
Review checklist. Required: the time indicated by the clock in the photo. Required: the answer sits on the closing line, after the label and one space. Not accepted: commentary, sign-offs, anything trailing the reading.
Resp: 9:18
